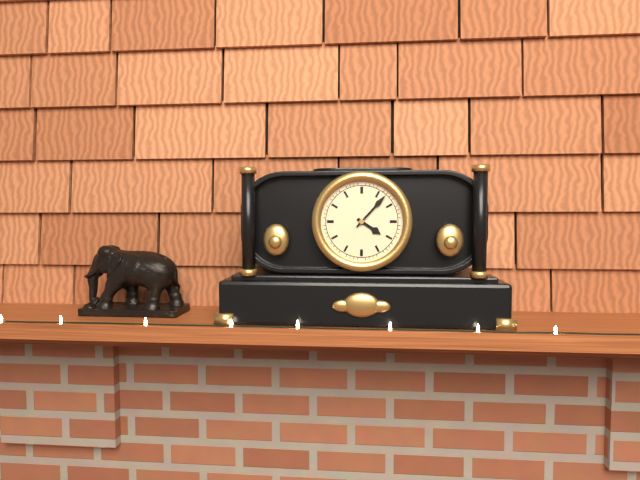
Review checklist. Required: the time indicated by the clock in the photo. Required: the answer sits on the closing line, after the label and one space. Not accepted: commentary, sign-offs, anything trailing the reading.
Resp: 4:07
